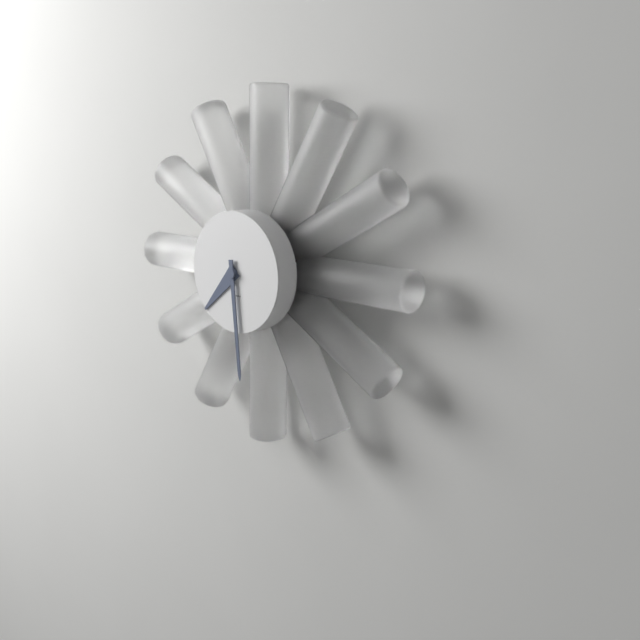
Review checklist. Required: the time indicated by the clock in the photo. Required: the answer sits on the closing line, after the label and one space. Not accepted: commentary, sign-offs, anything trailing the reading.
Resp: 7:29
